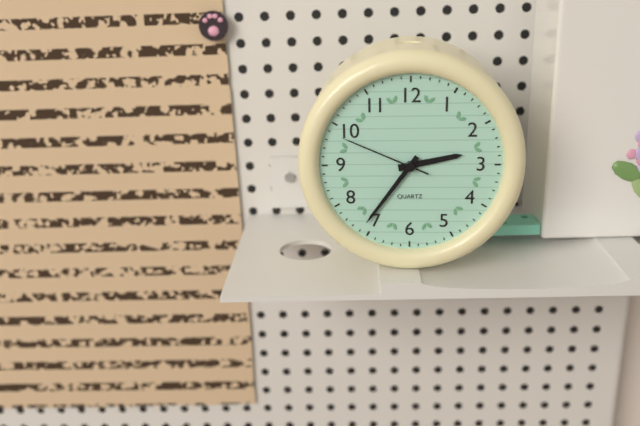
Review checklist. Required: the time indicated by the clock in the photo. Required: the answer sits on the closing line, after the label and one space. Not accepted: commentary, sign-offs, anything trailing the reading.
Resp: 2:36:49
